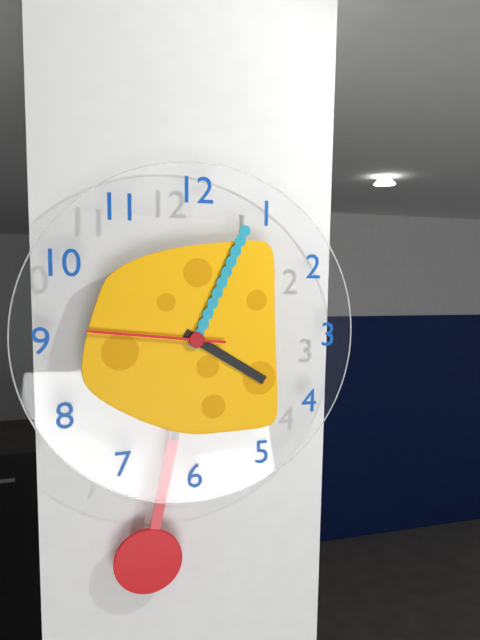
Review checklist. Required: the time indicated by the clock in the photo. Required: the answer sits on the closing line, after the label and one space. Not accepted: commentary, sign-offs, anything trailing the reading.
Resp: 4:04:46
